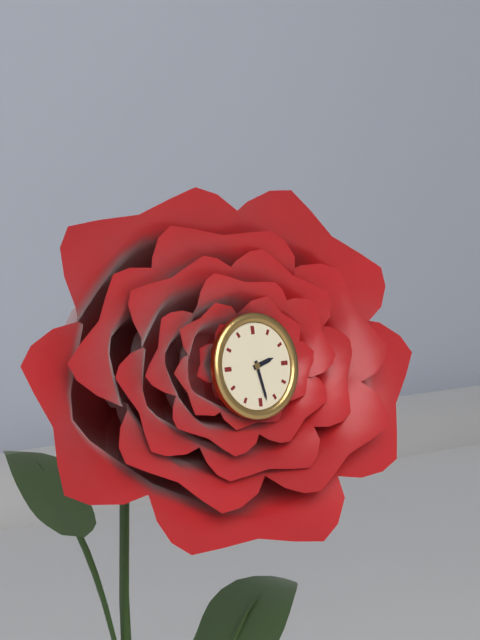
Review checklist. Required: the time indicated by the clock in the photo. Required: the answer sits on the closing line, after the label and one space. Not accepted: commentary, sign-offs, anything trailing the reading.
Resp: 2:28
